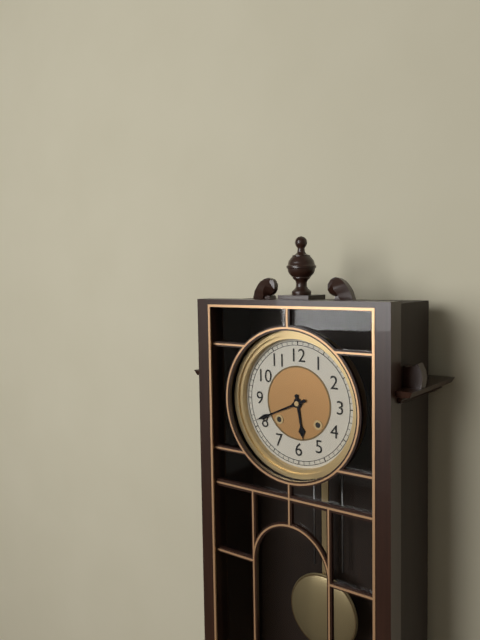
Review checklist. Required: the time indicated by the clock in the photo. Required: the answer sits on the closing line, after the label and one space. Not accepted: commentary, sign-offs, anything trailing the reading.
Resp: 5:41
